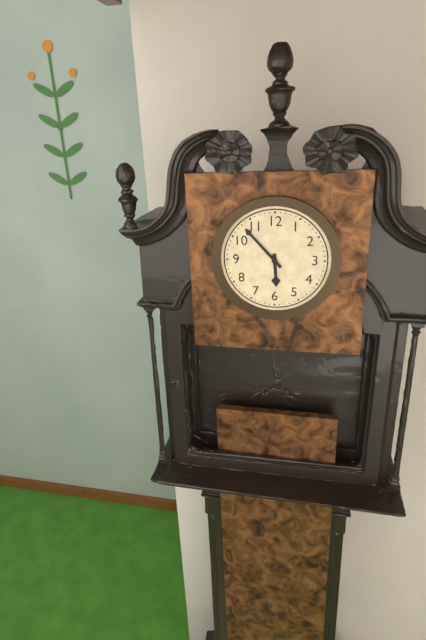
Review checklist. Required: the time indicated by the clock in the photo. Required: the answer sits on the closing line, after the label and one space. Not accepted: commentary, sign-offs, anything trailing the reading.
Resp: 5:53
